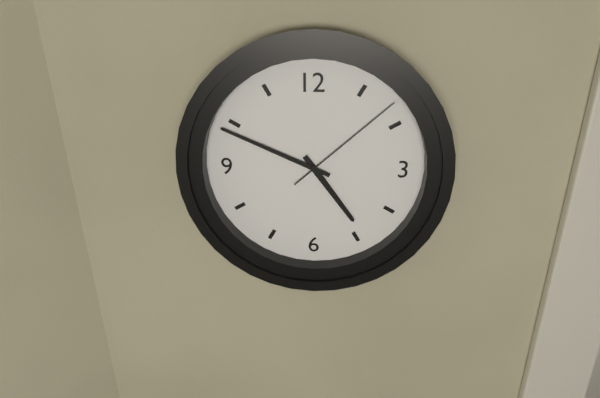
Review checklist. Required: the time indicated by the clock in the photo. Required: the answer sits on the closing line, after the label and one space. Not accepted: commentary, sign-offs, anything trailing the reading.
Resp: 4:49:08
